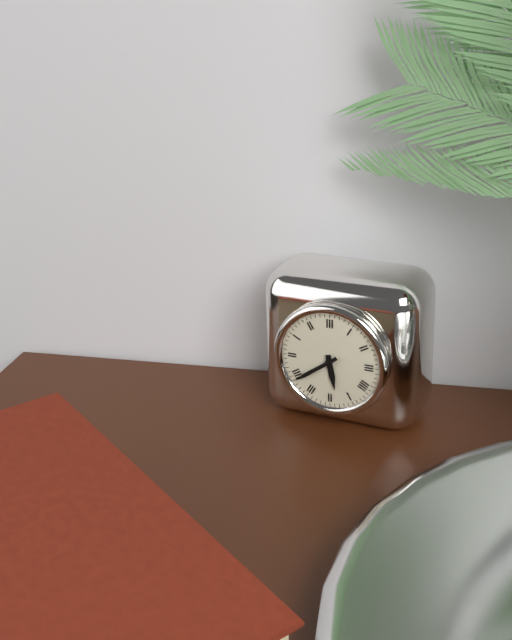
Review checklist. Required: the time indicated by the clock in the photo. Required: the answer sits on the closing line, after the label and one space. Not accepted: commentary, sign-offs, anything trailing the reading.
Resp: 5:39
